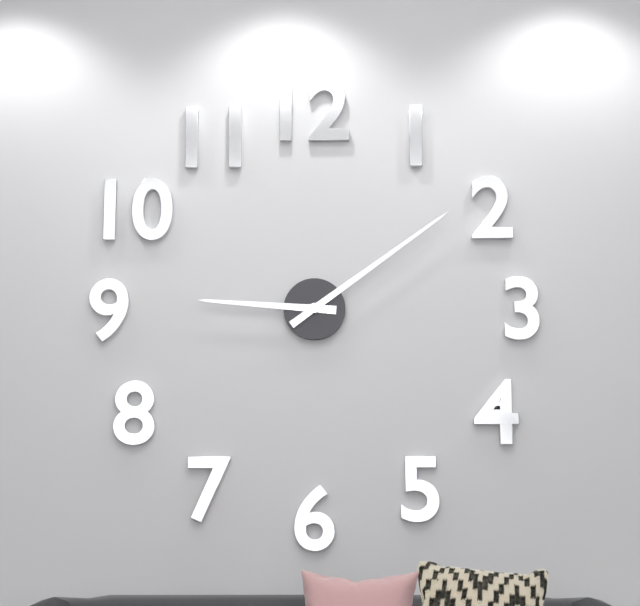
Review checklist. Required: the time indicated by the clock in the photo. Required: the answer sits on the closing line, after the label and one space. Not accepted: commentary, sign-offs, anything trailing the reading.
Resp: 9:09
